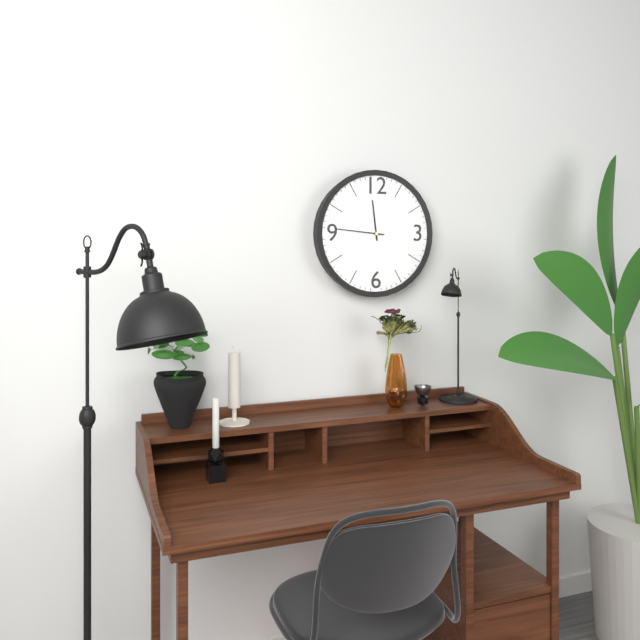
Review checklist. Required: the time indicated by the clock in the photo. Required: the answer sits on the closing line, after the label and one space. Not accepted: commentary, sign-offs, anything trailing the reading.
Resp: 11:46
